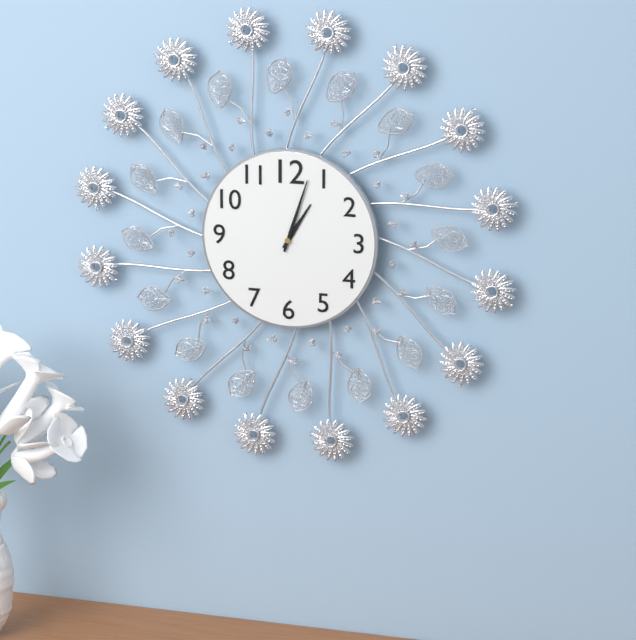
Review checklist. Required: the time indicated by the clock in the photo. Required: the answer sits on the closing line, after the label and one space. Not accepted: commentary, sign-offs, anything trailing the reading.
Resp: 1:03
